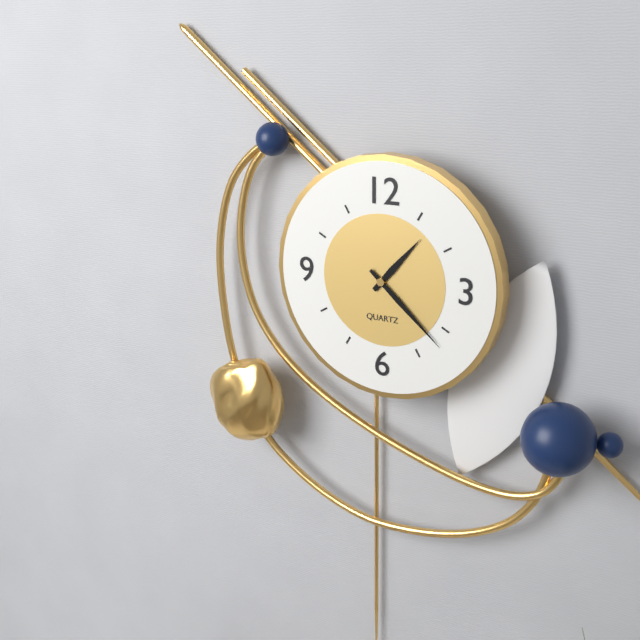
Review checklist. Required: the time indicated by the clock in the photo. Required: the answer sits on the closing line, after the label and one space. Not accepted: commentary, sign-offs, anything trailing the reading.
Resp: 1:22
